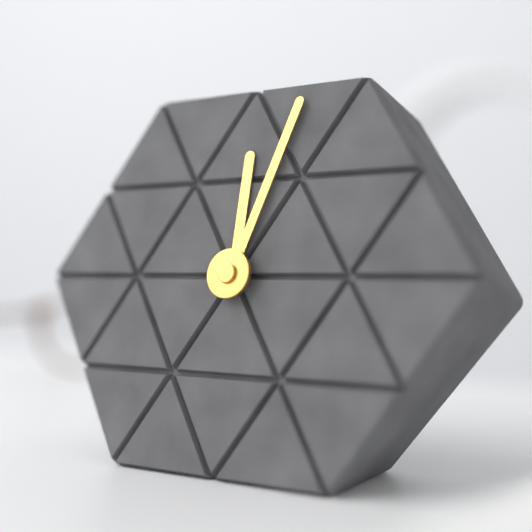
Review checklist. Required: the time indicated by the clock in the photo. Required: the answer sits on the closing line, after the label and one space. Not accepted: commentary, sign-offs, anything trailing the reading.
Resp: 12:03
